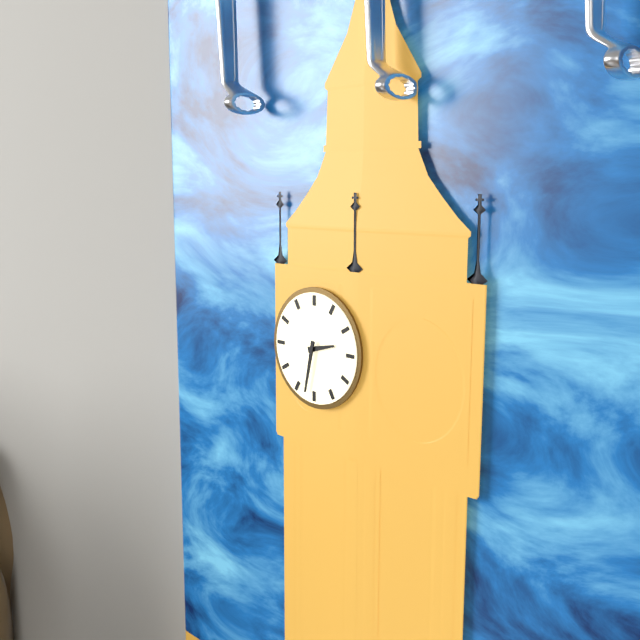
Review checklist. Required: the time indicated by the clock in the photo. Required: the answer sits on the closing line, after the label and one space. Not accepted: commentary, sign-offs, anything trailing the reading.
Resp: 2:32
